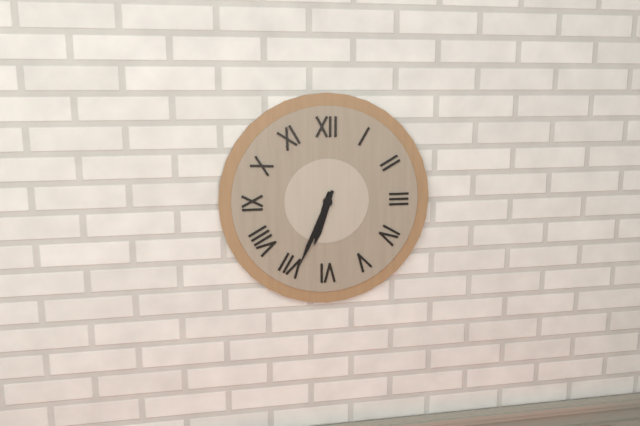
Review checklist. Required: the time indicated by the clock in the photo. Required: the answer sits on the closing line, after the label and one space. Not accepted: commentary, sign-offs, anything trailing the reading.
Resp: 6:34
